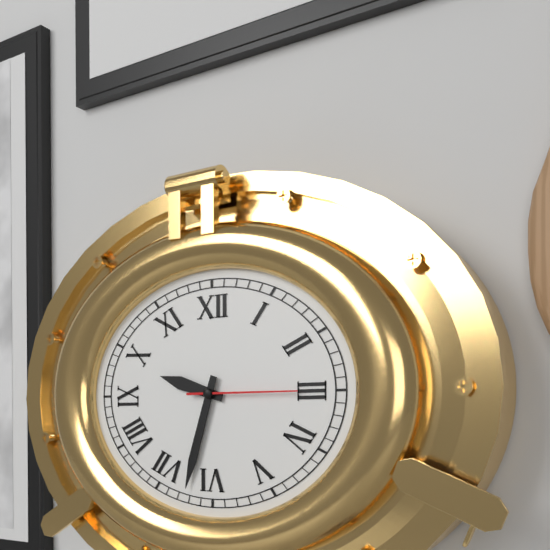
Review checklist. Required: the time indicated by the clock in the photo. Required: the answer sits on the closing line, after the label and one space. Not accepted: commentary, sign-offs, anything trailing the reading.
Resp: 9:33:15
